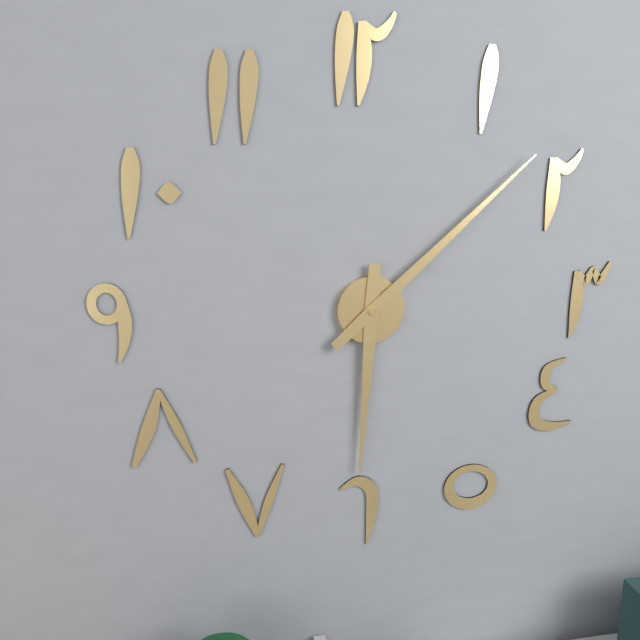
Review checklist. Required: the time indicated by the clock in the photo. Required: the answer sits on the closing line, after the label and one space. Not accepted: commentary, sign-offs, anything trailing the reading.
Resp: 6:08
